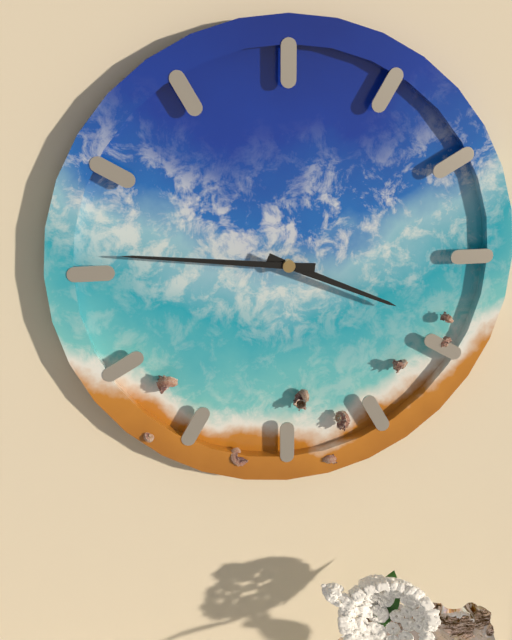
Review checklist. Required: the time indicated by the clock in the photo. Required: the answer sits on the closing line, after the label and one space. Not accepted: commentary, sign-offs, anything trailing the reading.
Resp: 3:46
